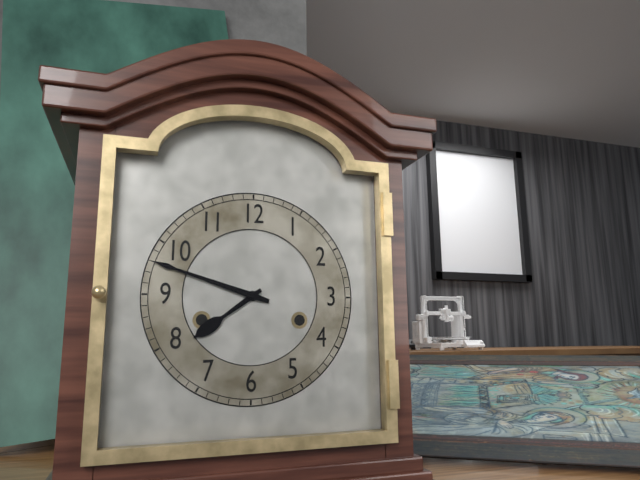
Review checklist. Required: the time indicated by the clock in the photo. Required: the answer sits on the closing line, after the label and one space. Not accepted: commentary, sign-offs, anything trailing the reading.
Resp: 7:48
